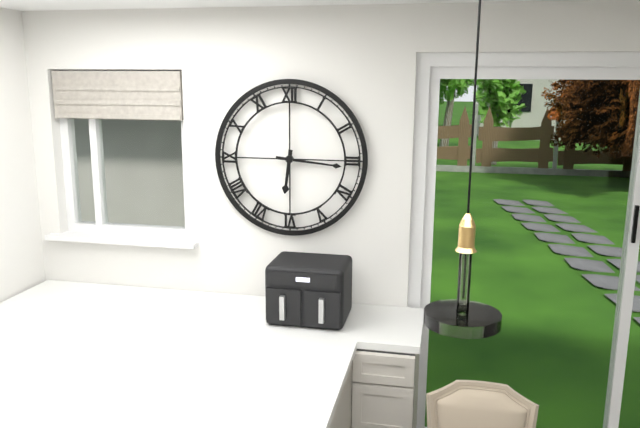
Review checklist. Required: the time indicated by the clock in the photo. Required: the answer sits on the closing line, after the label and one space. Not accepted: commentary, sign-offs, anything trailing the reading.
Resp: 6:16
